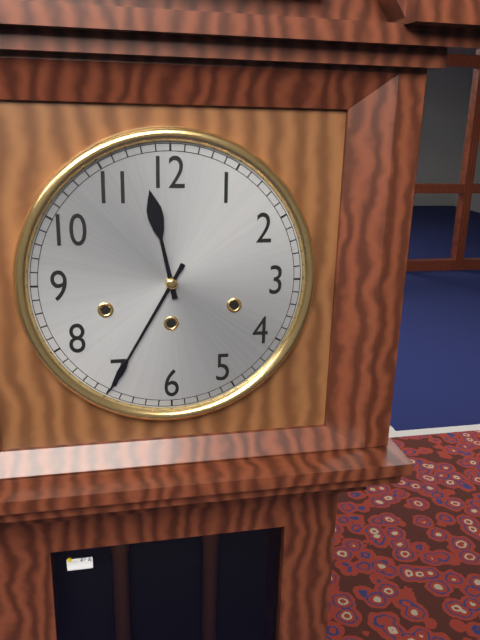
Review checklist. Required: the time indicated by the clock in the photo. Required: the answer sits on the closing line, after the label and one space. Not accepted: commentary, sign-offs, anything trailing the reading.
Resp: 11:35
